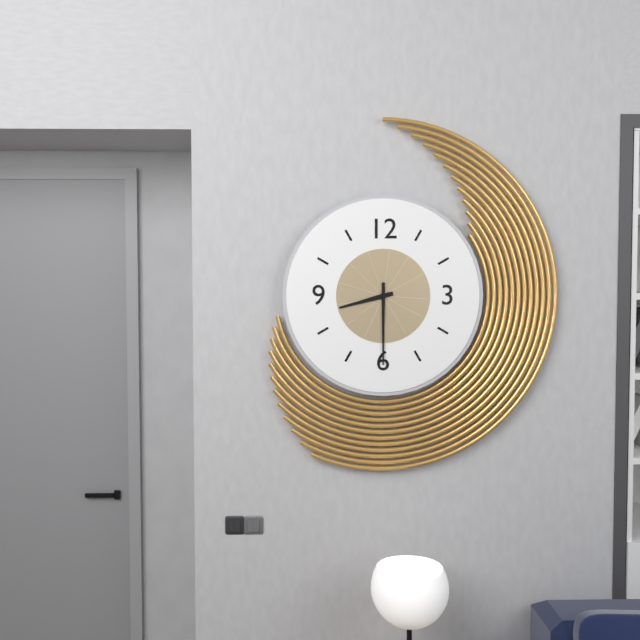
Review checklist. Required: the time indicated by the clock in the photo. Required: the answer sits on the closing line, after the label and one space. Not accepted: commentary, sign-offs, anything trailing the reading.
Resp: 8:30
